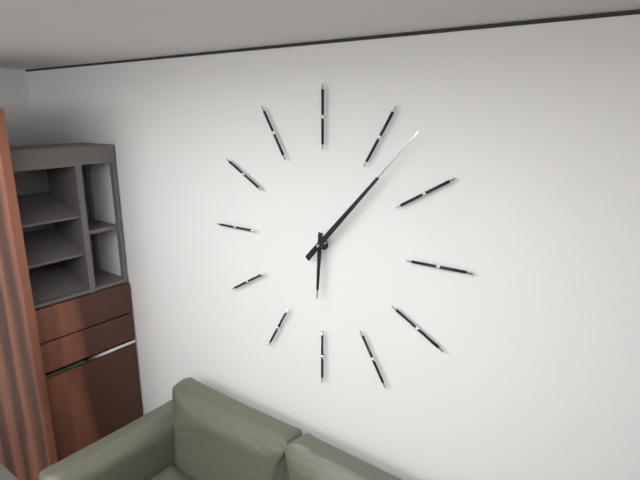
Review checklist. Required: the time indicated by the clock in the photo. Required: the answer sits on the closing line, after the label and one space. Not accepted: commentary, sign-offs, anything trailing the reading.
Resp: 6:07
